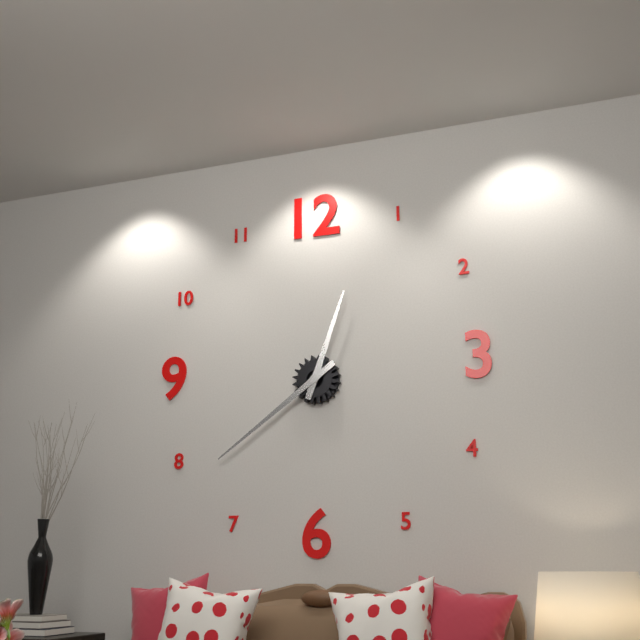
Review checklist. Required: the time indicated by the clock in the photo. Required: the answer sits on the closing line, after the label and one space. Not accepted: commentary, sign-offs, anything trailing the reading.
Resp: 12:39
